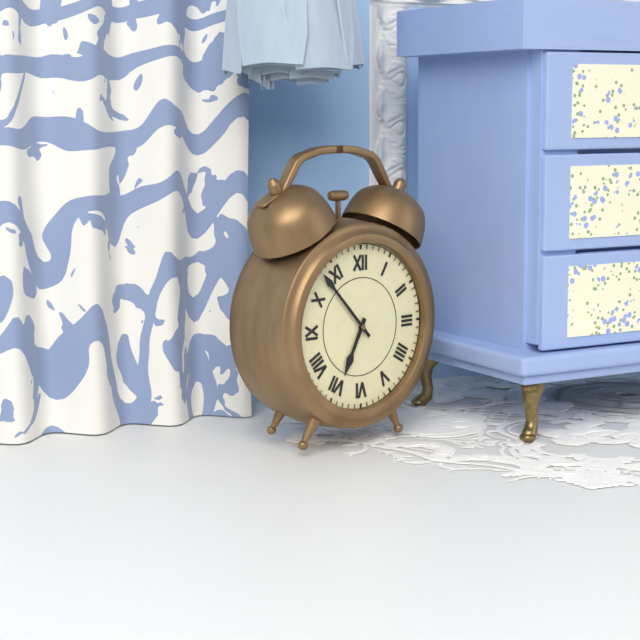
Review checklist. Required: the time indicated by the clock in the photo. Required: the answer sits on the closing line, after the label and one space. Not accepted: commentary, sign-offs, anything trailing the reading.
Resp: 6:53
